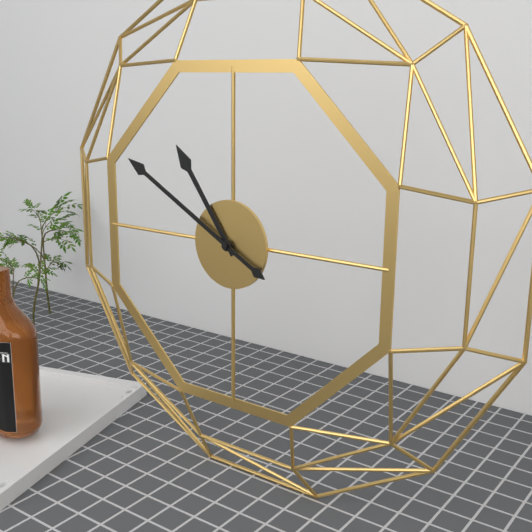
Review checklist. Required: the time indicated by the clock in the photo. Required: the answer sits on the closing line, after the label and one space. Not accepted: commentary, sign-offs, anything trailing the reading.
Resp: 10:50
